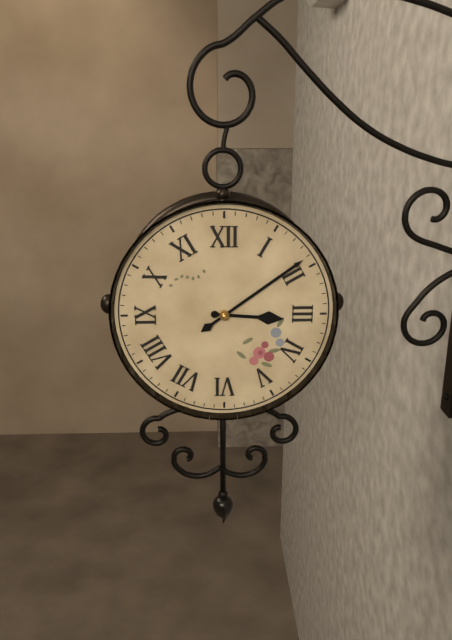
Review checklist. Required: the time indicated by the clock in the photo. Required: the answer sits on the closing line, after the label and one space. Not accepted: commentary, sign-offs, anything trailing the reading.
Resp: 3:09
